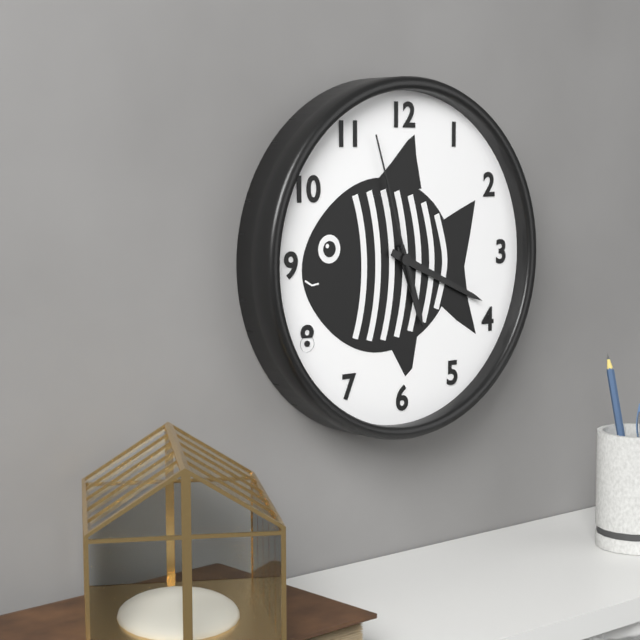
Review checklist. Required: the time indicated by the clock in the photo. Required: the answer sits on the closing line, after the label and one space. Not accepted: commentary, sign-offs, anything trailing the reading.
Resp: 5:19:57
